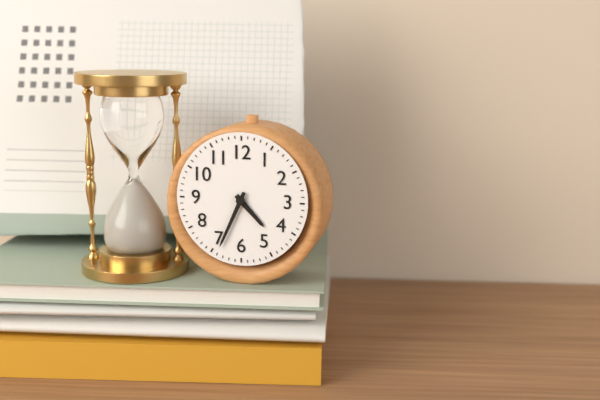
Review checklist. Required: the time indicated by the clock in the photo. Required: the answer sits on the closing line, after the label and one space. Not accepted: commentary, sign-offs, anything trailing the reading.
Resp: 4:34
